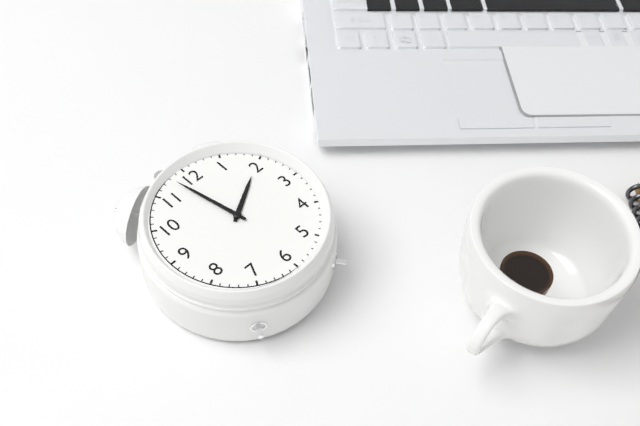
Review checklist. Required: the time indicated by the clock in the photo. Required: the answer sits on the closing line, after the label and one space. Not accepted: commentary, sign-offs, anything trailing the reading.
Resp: 1:58
